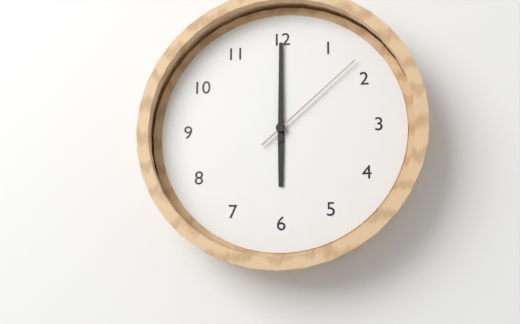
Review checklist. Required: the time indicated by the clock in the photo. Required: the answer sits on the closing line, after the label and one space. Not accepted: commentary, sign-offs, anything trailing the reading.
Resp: 6:00:08
